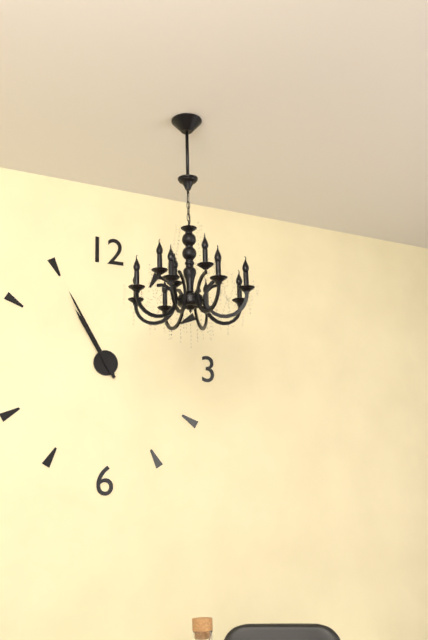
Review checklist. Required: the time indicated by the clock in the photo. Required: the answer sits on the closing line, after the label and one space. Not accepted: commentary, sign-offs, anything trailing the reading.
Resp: 10:55
